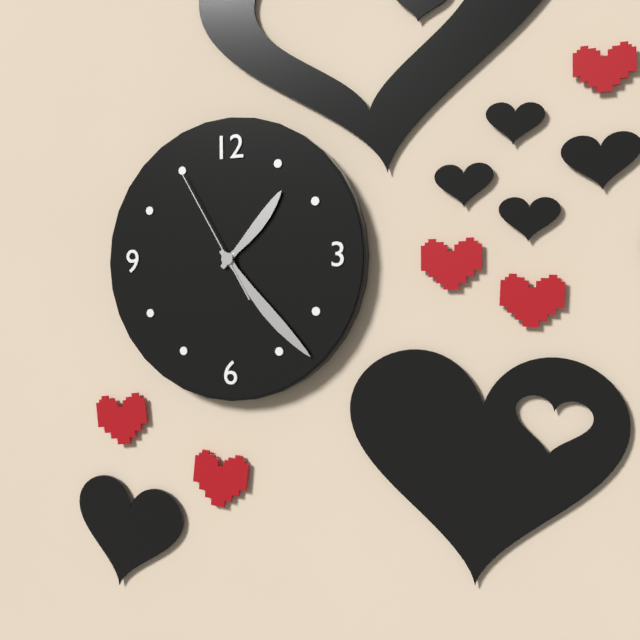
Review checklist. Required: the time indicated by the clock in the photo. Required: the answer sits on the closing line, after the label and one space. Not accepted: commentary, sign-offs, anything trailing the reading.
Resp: 1:23:55
